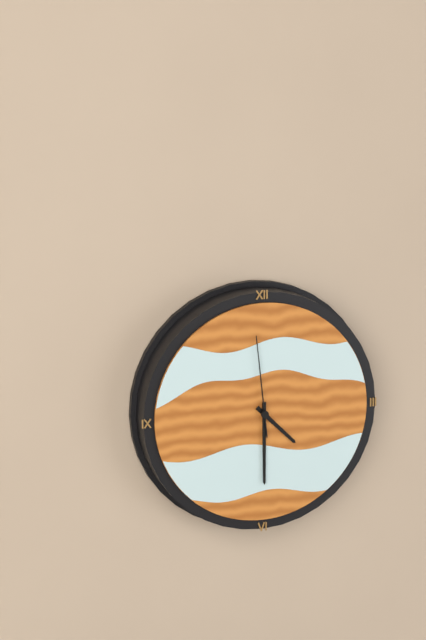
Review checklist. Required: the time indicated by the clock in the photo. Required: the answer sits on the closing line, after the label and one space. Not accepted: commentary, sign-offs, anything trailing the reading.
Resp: 4:30:59
